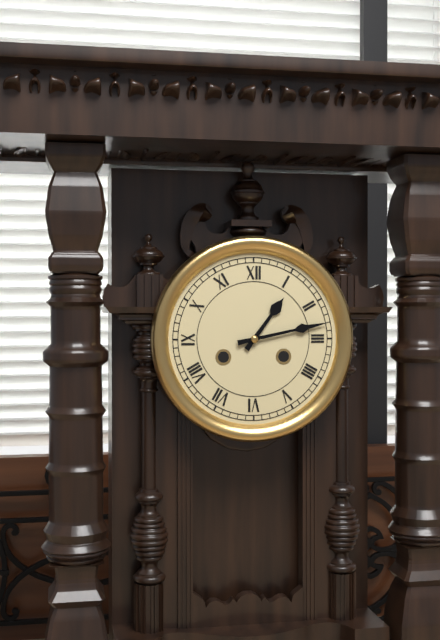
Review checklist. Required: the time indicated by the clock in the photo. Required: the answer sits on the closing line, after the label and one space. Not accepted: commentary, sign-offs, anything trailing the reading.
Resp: 1:13
